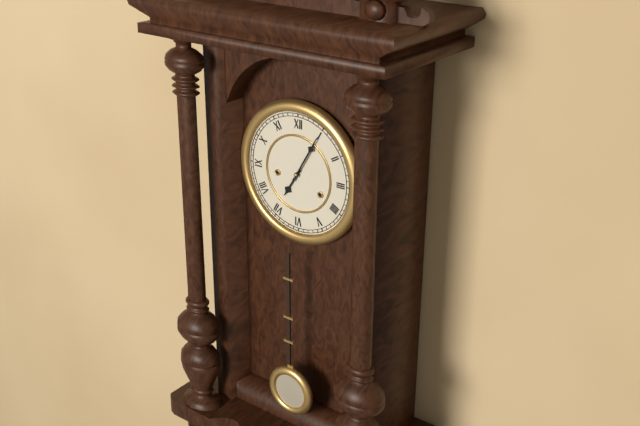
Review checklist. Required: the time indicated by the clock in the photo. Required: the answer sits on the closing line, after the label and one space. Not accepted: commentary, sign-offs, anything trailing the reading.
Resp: 7:05
